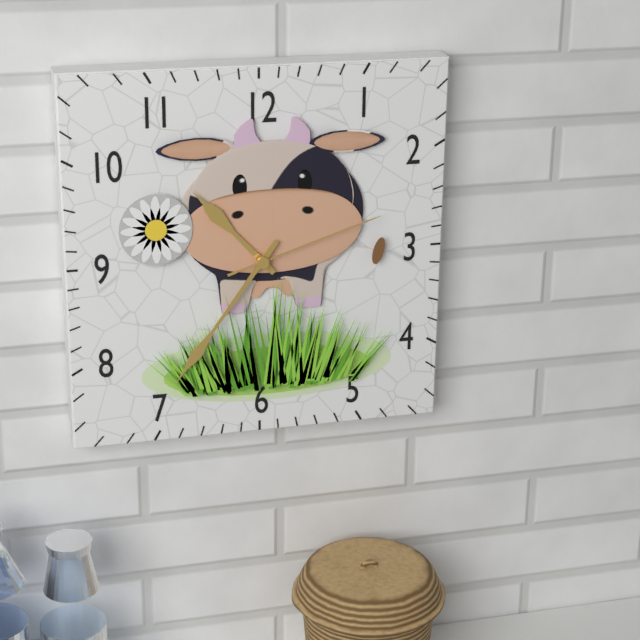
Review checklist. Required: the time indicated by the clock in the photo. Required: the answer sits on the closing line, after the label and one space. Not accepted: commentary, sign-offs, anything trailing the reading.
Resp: 10:36:12
